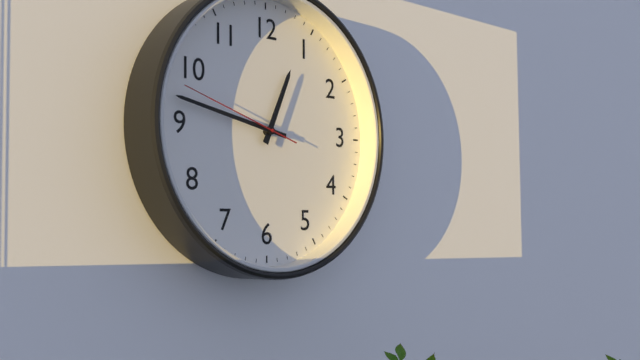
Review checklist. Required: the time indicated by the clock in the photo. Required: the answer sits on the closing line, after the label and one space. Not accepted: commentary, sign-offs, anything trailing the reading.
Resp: 12:47:48
